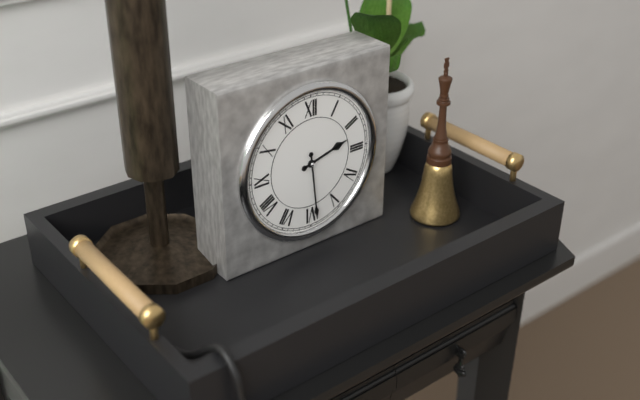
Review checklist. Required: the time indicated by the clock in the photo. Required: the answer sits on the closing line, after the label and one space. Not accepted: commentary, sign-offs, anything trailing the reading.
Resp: 2:29
